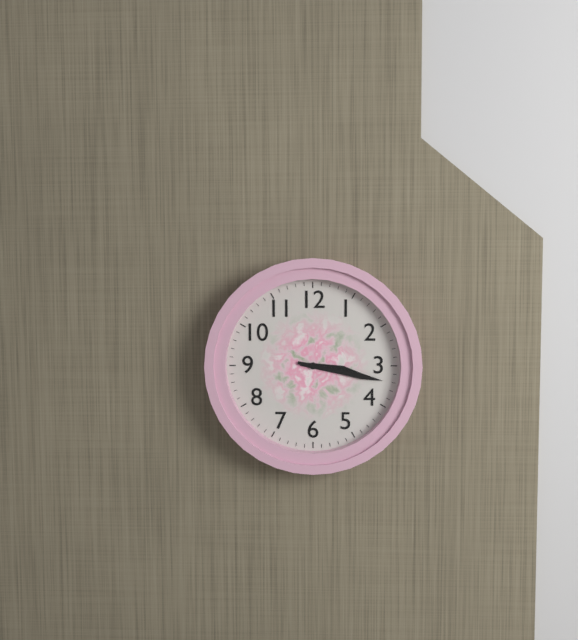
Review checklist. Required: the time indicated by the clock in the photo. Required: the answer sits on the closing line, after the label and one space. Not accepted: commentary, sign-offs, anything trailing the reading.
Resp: 3:17
